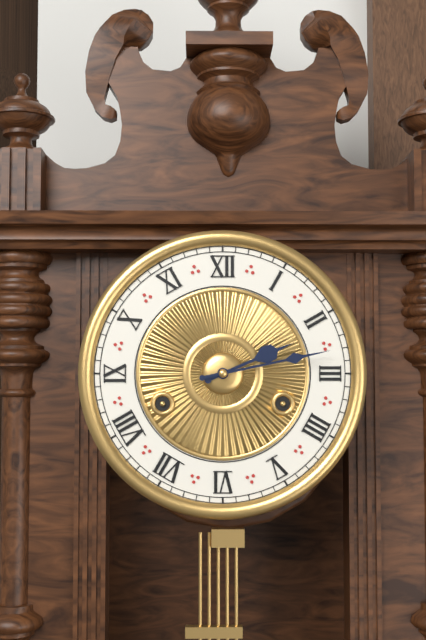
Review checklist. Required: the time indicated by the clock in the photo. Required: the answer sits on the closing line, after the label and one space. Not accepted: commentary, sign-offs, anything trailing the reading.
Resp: 2:13
